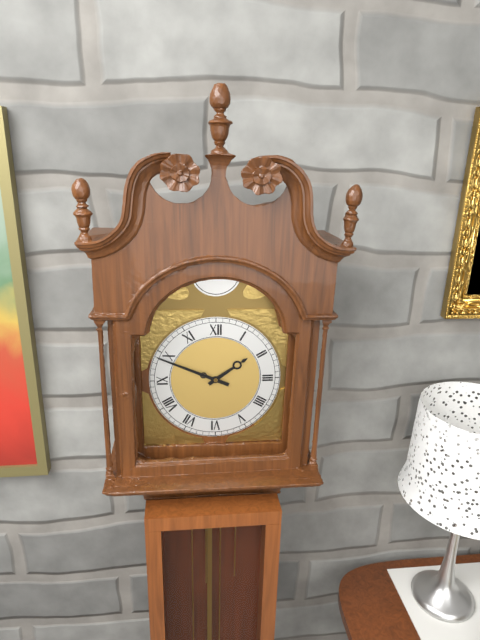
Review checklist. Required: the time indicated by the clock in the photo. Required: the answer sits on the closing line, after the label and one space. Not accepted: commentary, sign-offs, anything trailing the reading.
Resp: 1:49
